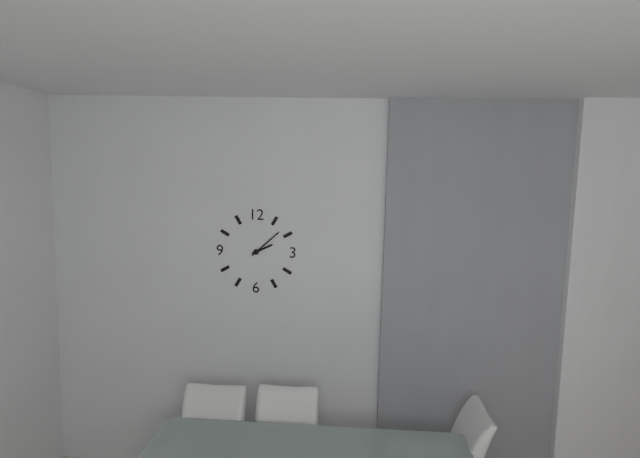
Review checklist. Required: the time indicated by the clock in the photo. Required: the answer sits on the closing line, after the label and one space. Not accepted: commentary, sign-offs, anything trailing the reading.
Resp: 2:08
